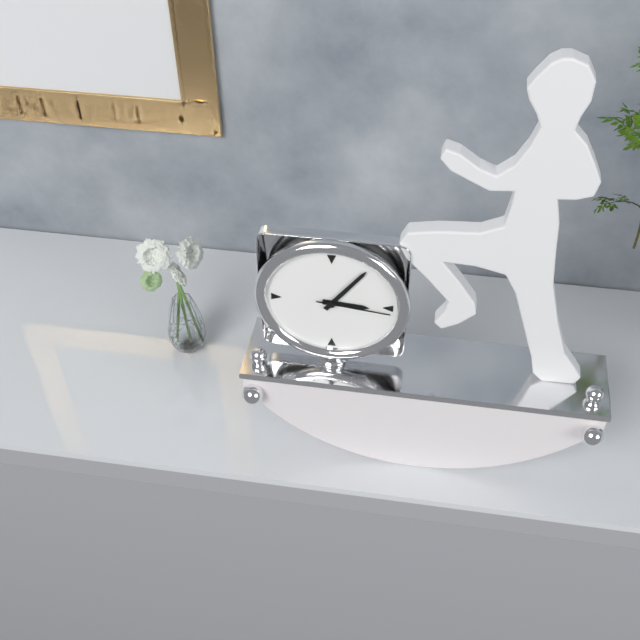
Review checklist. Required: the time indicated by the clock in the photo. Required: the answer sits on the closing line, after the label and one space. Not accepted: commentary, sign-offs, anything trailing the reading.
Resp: 3:06:16
